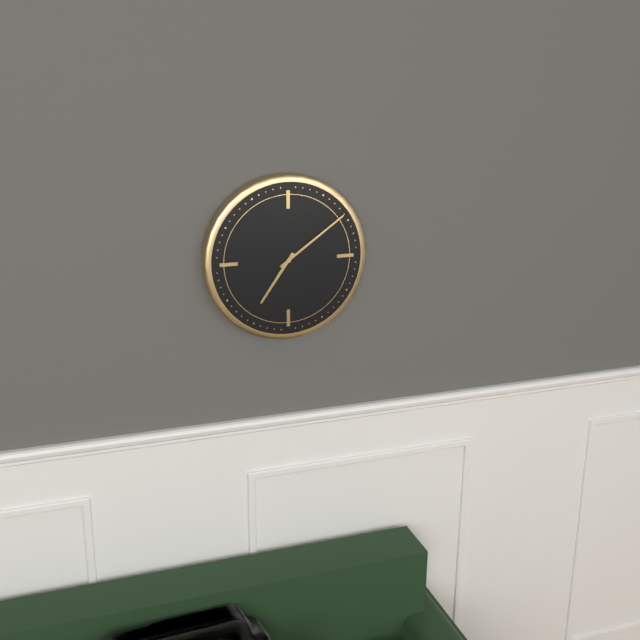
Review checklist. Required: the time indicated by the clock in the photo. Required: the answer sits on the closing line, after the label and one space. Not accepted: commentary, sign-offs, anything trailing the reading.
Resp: 7:09
